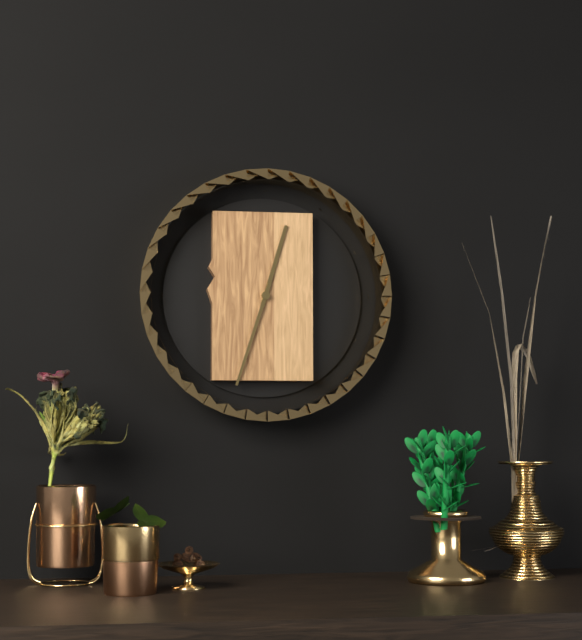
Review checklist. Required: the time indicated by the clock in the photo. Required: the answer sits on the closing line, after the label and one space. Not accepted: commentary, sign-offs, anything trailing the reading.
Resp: 12:33
